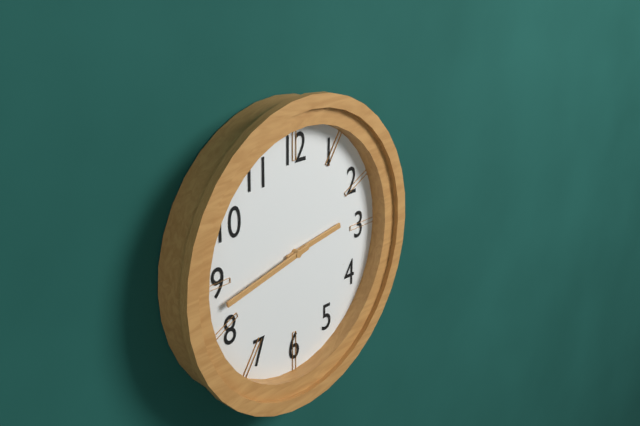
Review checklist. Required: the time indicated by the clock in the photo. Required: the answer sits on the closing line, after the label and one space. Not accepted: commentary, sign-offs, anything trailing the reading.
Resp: 2:43
